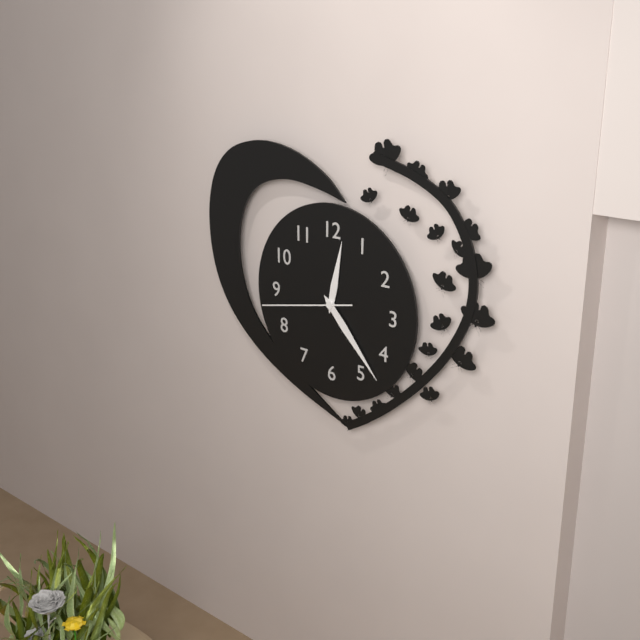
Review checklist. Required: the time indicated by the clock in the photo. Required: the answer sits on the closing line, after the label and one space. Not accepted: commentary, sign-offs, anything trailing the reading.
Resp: 12:23:43
